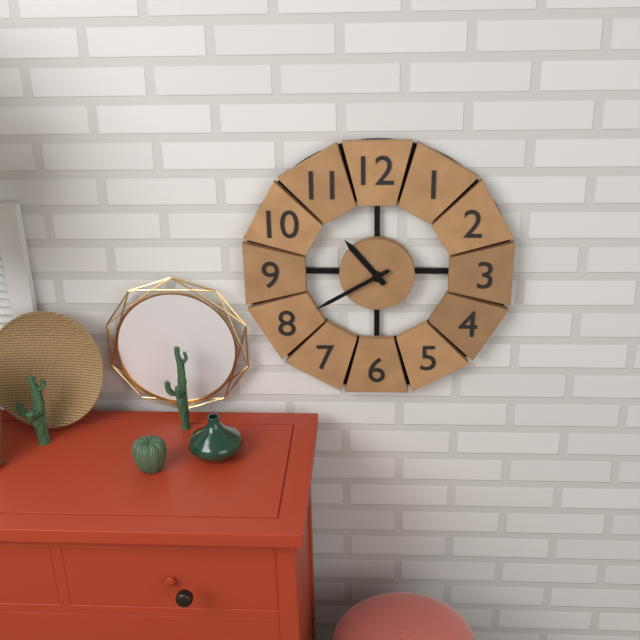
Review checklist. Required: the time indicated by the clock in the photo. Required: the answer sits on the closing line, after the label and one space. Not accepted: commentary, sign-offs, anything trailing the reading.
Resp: 10:40
